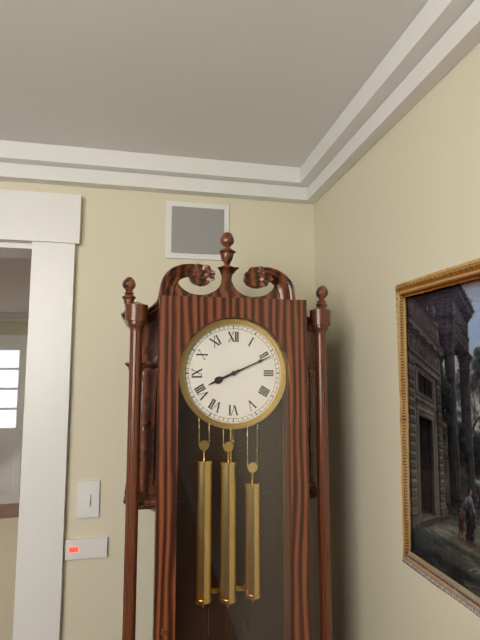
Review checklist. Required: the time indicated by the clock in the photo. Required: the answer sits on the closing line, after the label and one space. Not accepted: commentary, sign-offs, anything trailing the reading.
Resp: 8:11
